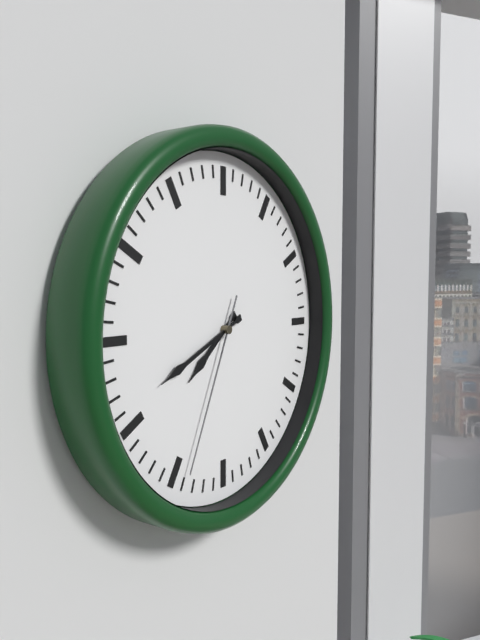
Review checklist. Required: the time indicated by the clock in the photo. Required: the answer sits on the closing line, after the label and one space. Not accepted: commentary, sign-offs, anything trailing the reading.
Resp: 7:41:34
